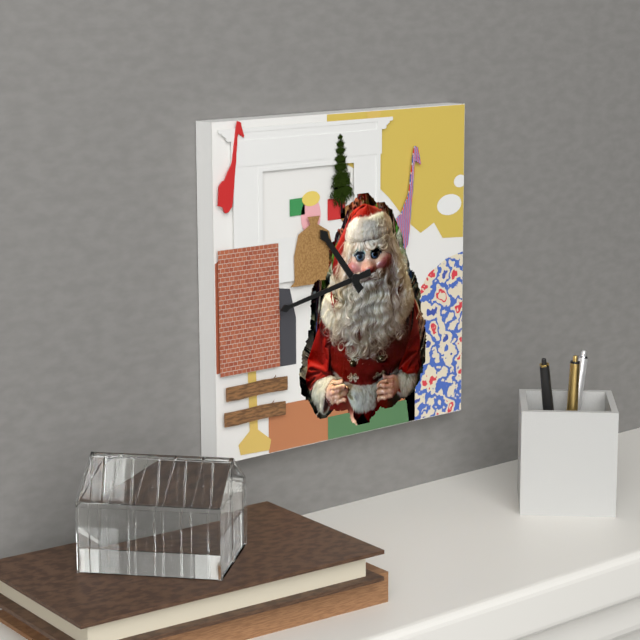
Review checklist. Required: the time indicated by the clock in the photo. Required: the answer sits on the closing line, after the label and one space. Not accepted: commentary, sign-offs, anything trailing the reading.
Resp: 10:43
